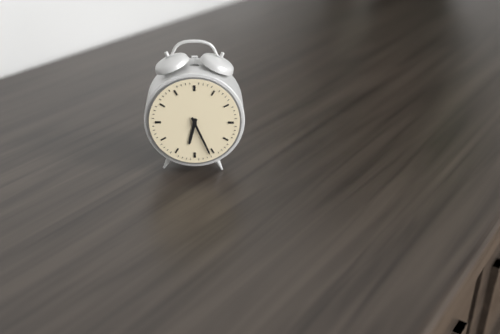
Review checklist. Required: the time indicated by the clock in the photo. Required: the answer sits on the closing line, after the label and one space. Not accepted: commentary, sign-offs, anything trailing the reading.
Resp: 6:26
